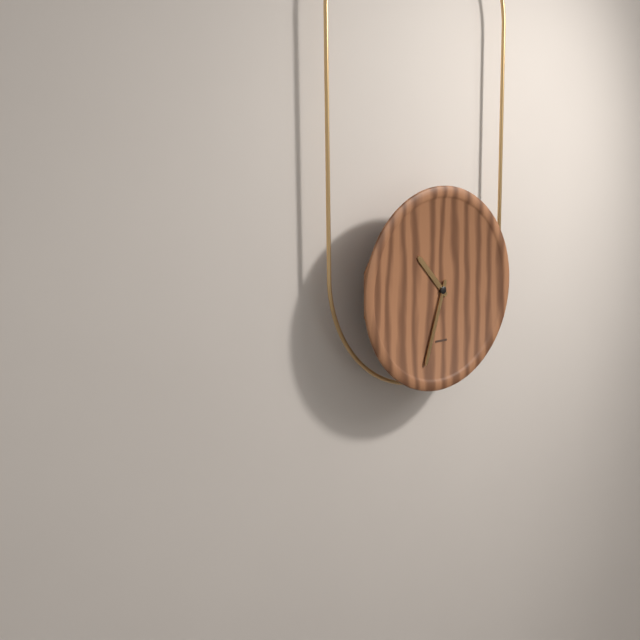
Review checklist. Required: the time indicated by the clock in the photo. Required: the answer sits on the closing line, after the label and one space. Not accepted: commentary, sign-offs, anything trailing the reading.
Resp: 10:33
